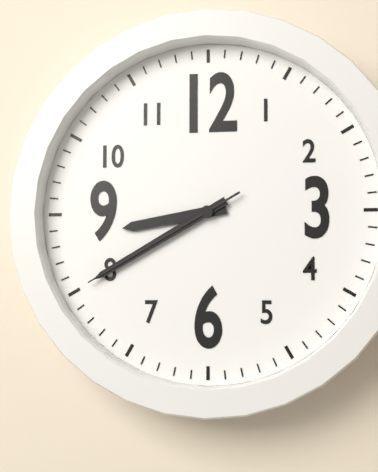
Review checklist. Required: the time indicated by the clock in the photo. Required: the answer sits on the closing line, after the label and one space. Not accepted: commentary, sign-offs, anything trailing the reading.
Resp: 8:40:40
